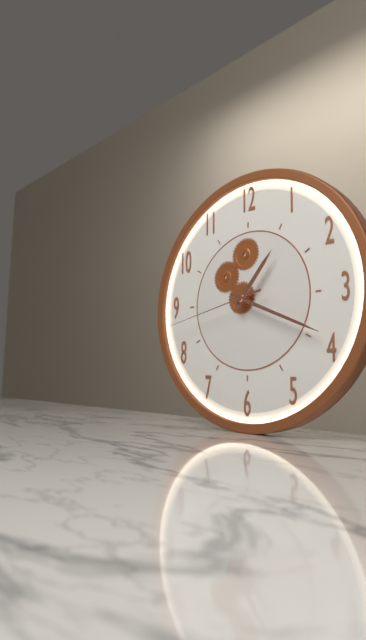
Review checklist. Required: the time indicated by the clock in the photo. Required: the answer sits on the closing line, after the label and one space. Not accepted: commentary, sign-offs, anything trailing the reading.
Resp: 1:19:43
